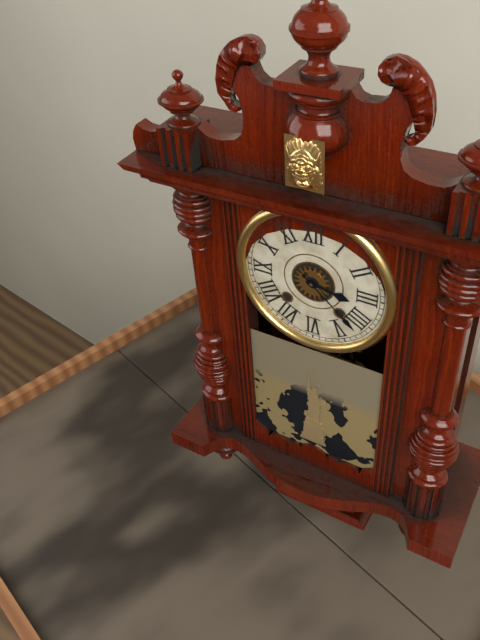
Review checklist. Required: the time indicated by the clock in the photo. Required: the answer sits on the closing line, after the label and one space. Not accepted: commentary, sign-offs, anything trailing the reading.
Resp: 3:22
